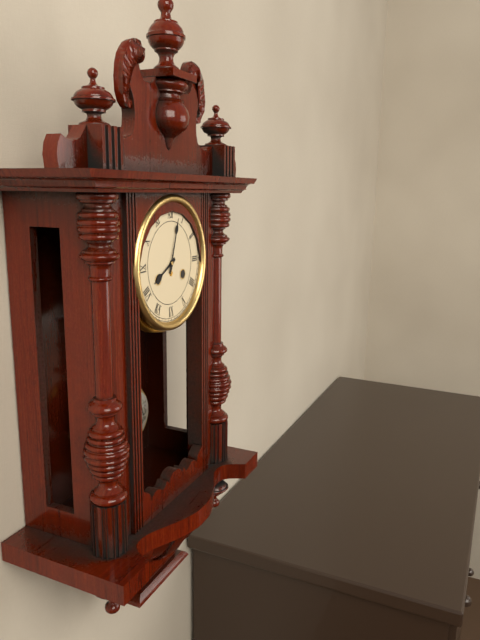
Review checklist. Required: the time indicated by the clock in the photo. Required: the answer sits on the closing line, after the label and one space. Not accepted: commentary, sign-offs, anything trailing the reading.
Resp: 8:03
